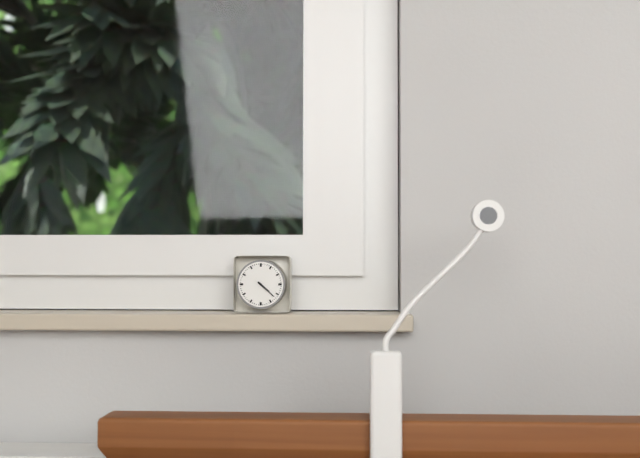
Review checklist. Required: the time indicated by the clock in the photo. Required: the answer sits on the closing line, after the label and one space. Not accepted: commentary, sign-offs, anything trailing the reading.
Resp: 4:22
